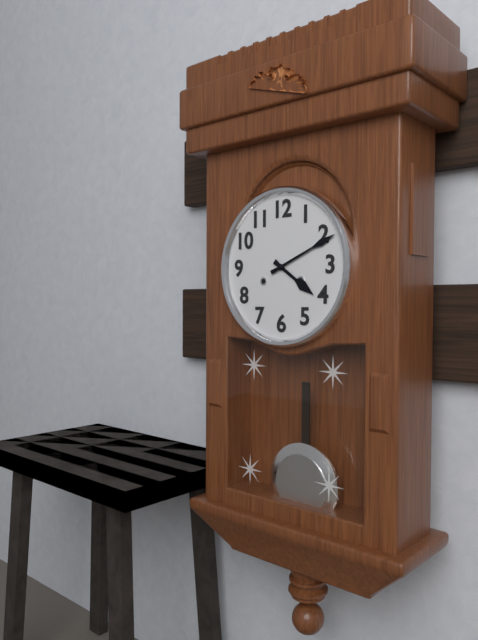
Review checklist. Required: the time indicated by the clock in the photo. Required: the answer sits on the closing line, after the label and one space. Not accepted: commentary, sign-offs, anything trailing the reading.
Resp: 4:11
